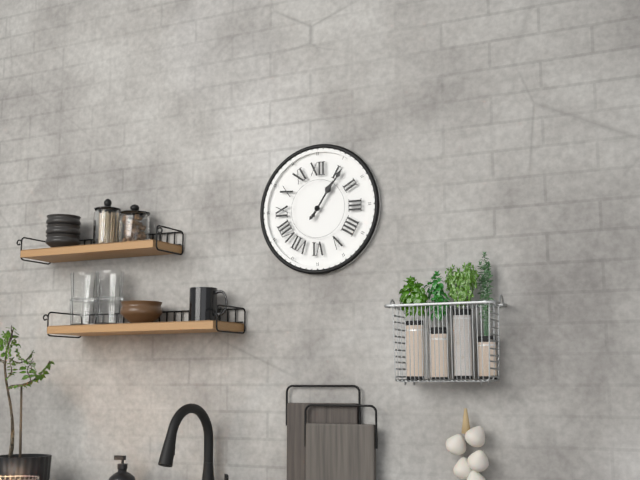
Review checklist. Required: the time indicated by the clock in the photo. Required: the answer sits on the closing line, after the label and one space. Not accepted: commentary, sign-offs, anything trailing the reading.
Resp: 1:06
